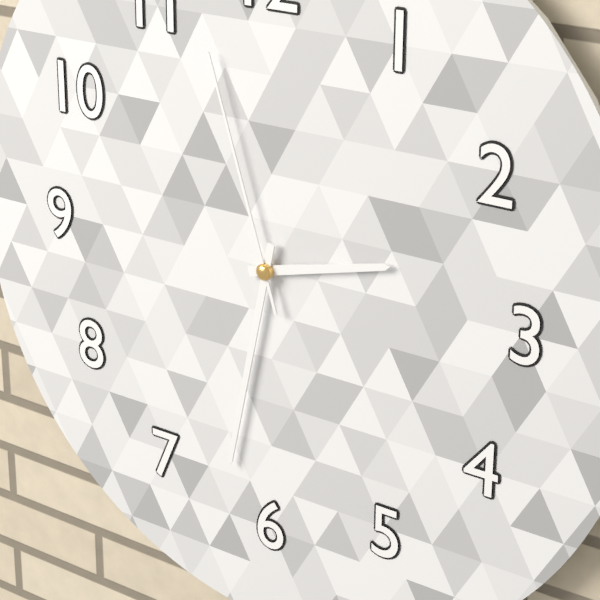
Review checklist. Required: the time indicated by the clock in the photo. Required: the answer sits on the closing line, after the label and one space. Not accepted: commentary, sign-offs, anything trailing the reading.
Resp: 2:32:57
